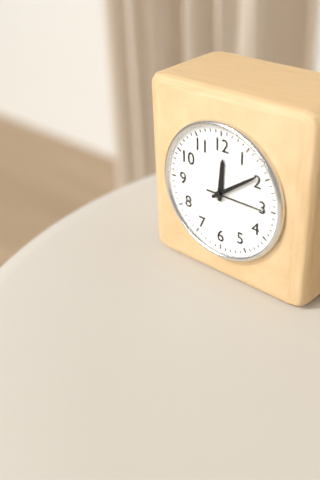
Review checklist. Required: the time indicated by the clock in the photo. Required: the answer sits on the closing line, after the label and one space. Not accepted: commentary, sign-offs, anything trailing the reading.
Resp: 12:09:15
